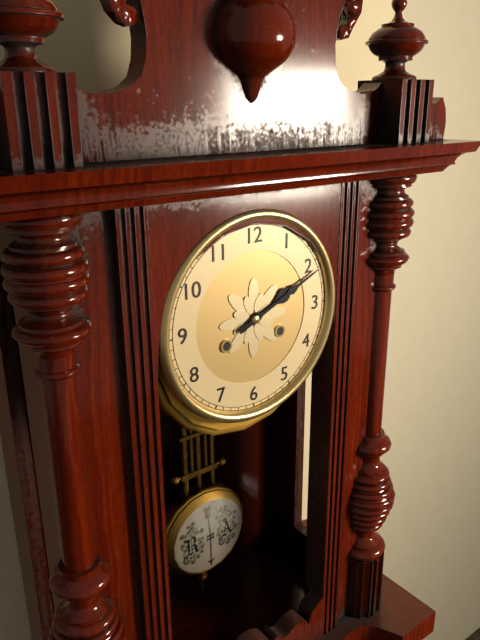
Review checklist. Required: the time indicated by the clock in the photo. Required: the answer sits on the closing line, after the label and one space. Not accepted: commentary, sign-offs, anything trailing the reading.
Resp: 2:11
